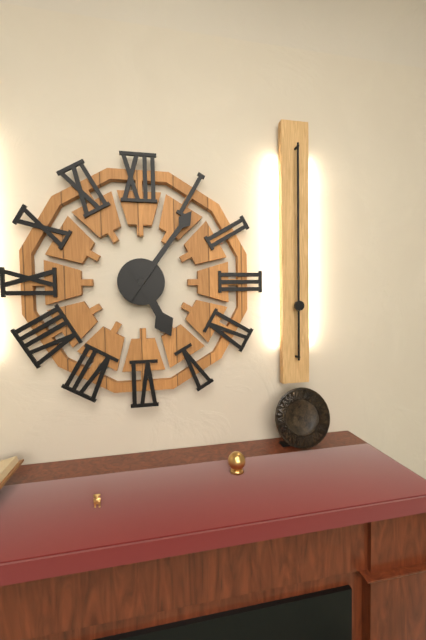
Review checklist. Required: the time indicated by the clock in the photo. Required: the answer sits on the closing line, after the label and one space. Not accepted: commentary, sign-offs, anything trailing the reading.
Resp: 5:06
